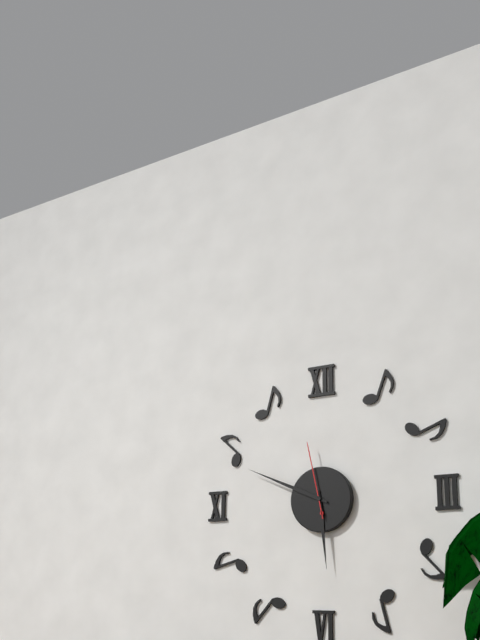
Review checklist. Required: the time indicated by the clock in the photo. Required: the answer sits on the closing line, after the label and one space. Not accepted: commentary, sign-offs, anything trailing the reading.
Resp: 5:49:58
